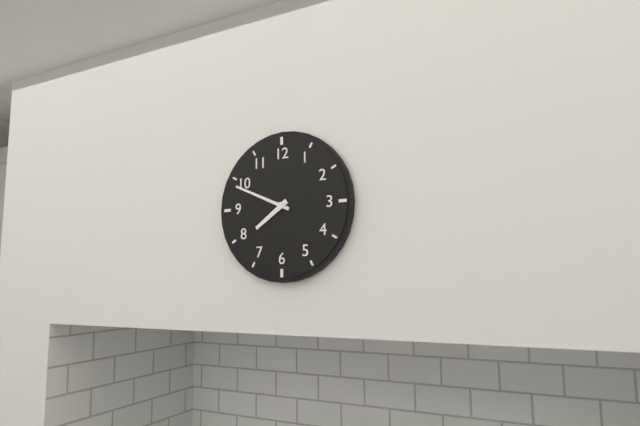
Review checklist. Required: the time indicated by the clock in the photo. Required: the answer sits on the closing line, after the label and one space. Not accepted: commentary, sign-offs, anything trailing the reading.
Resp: 7:49
